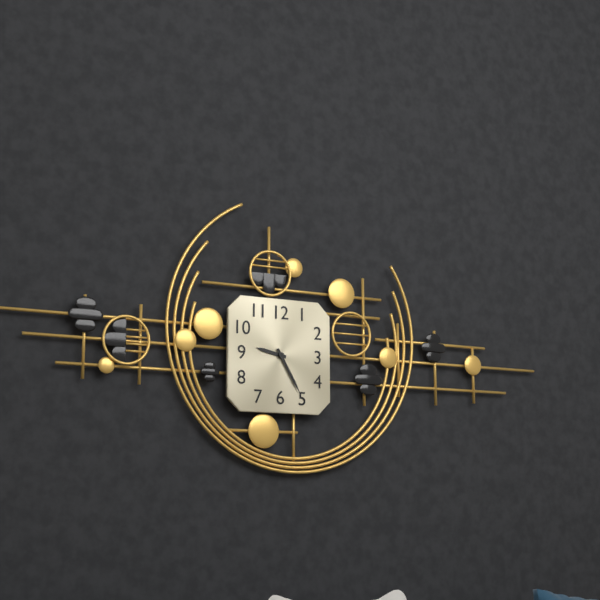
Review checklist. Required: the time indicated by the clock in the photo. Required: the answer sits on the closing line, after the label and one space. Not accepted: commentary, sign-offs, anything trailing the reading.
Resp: 9:25
